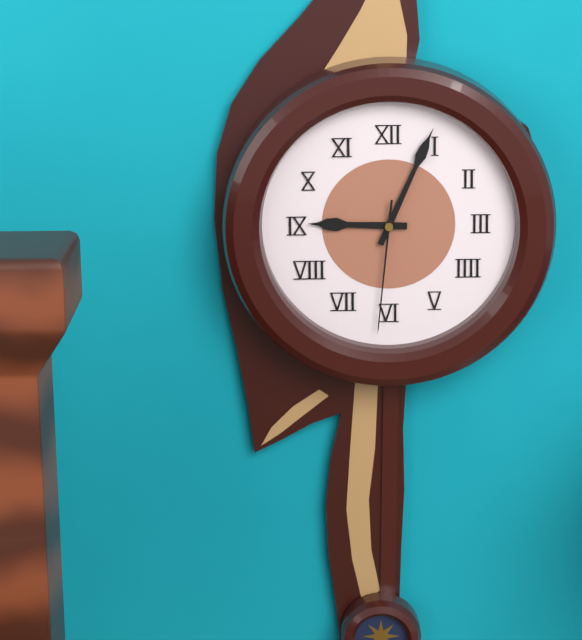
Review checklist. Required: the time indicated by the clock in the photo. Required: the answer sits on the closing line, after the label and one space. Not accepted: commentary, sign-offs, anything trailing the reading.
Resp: 9:04:31
